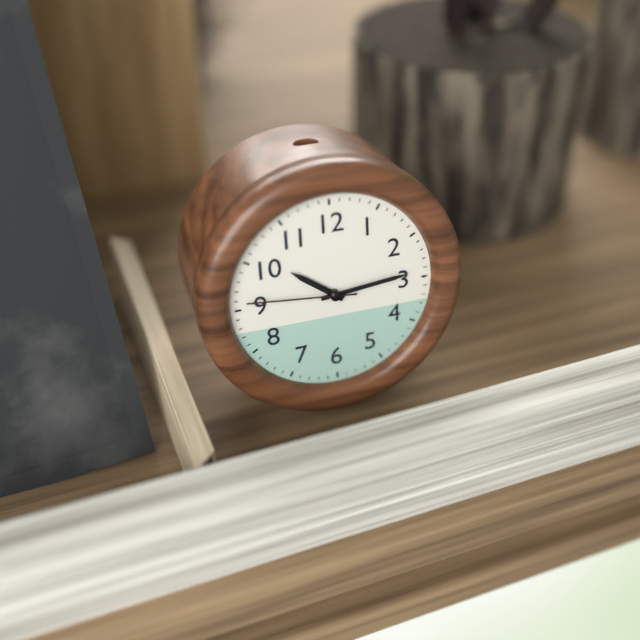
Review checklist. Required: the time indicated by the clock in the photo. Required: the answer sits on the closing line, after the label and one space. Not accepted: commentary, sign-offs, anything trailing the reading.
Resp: 10:14:46
